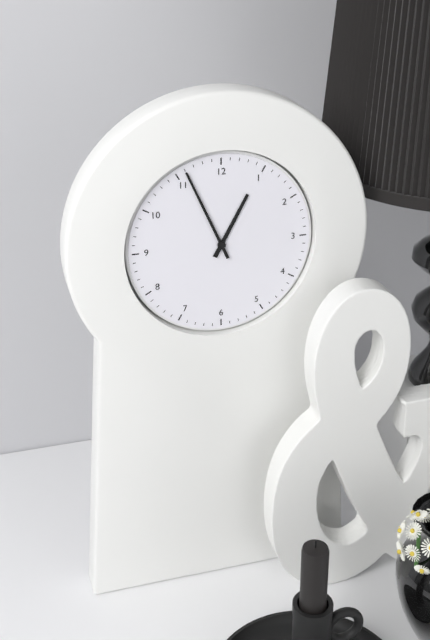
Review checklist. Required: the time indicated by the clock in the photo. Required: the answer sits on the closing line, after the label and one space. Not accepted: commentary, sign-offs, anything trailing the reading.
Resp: 12:56
